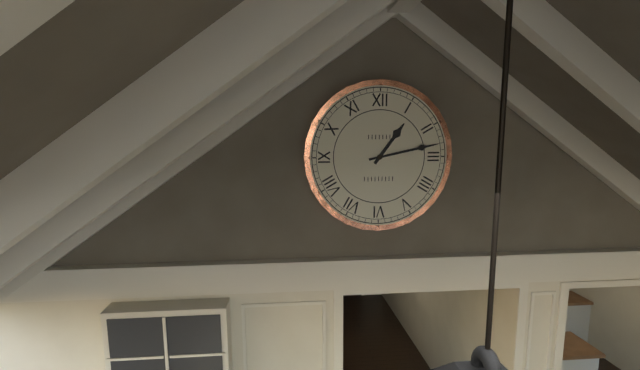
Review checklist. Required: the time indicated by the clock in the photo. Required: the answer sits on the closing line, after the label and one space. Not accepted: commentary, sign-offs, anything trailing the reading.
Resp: 1:13
